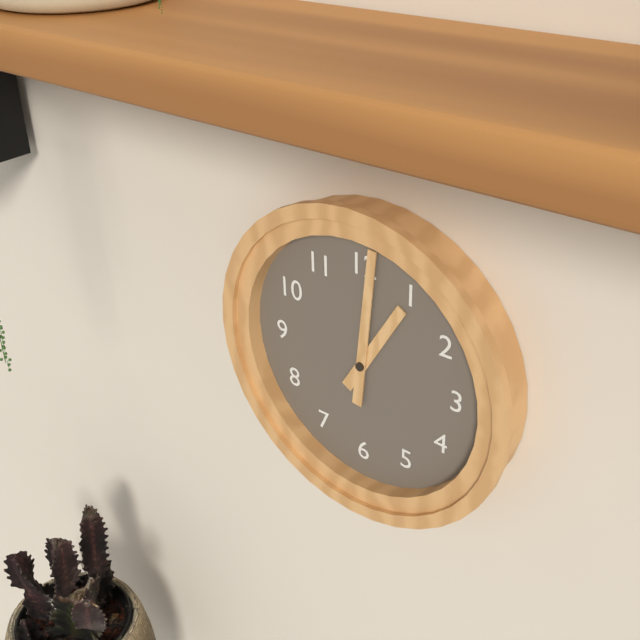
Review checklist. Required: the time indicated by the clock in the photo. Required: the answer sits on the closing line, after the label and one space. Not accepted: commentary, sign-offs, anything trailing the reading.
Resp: 1:01
